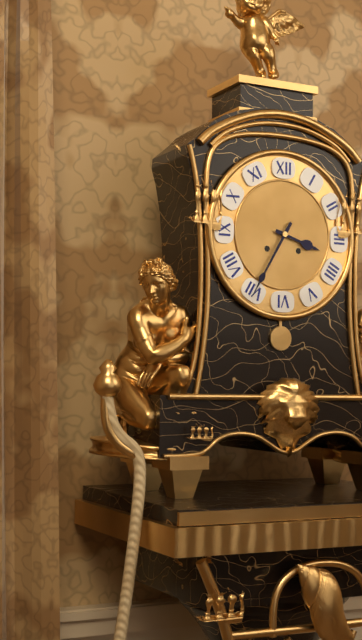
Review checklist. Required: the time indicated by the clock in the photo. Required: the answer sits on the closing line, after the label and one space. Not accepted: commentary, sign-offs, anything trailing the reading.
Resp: 3:35
